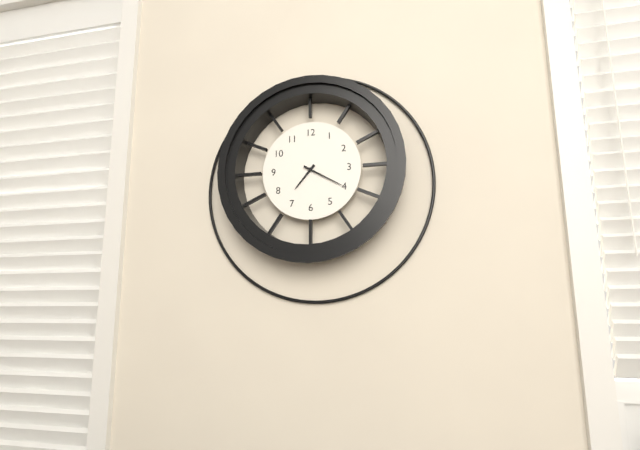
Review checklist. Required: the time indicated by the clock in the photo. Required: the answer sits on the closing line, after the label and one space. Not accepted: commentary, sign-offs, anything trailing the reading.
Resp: 7:20
